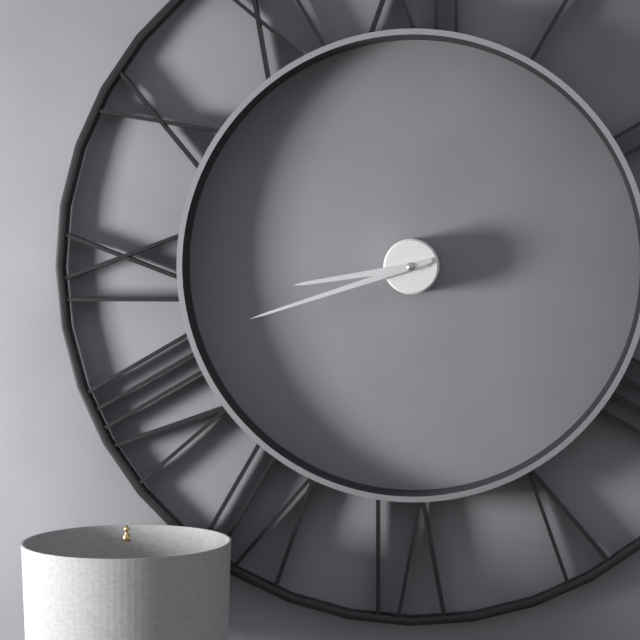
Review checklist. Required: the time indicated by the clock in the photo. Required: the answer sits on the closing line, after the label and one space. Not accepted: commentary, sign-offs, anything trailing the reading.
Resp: 8:42
